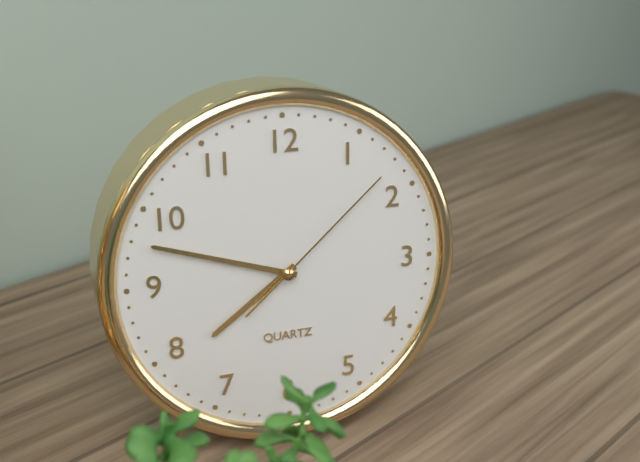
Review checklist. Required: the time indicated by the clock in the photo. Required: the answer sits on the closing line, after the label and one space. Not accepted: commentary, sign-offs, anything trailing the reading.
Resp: 7:48:08
